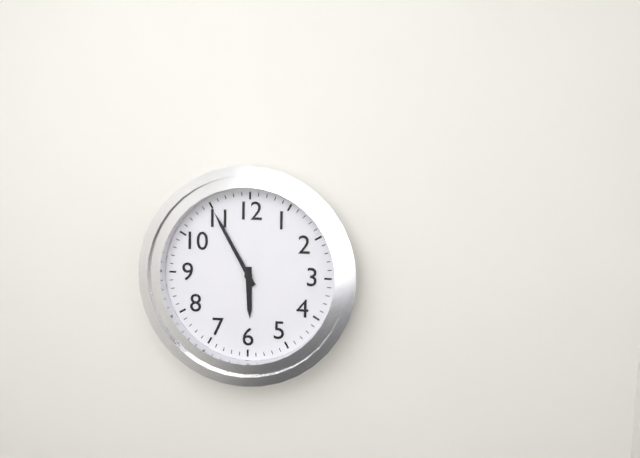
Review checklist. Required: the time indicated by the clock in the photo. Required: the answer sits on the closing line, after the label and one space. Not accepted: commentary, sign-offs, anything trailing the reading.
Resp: 5:55
